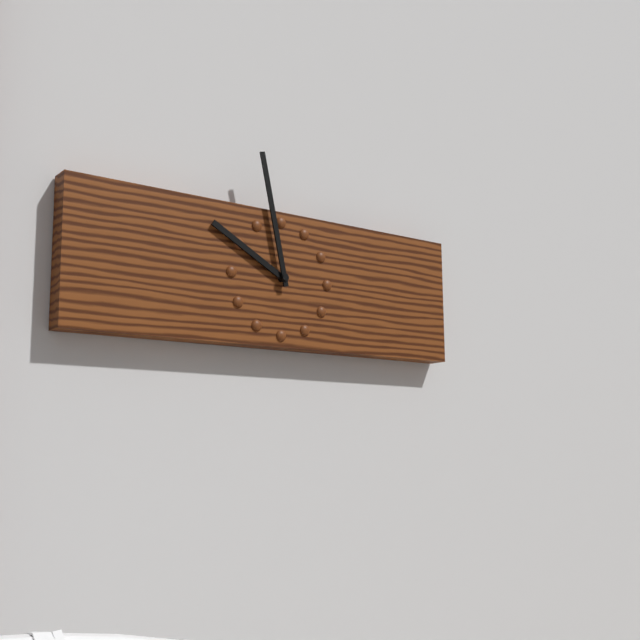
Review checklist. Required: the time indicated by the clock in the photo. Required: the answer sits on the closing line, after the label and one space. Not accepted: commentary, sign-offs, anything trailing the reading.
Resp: 9:58
